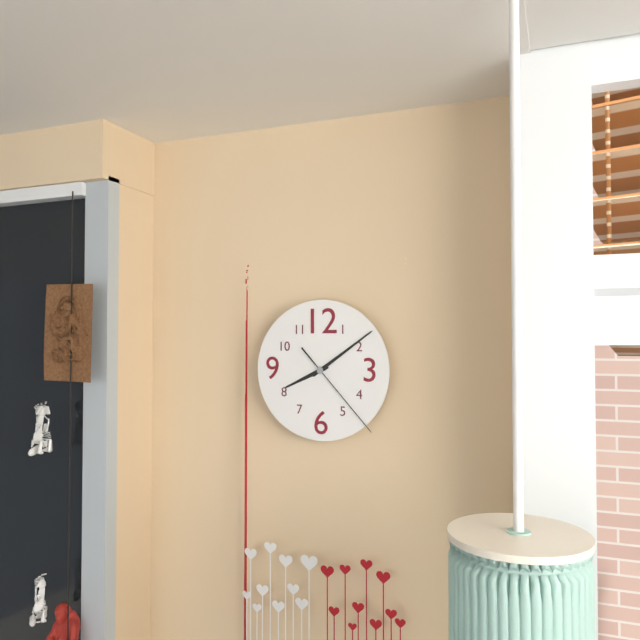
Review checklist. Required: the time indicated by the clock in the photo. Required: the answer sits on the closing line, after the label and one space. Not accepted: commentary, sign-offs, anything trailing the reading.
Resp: 8:09:23
